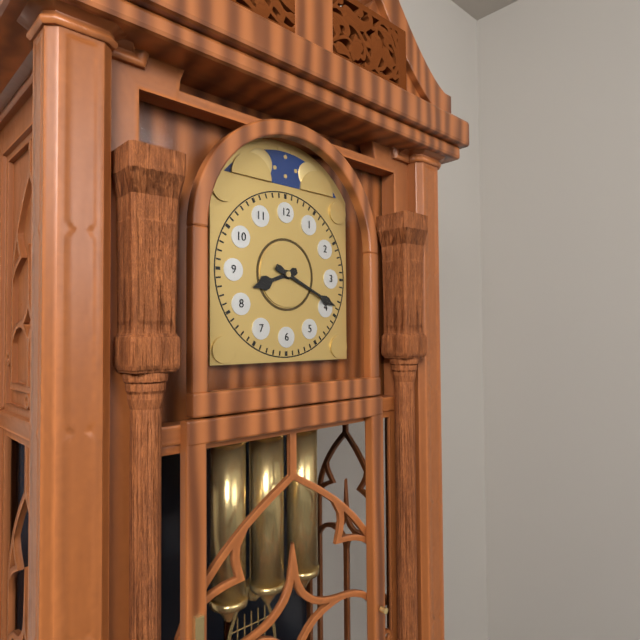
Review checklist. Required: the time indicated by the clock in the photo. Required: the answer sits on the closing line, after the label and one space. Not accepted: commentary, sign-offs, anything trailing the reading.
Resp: 8:19
